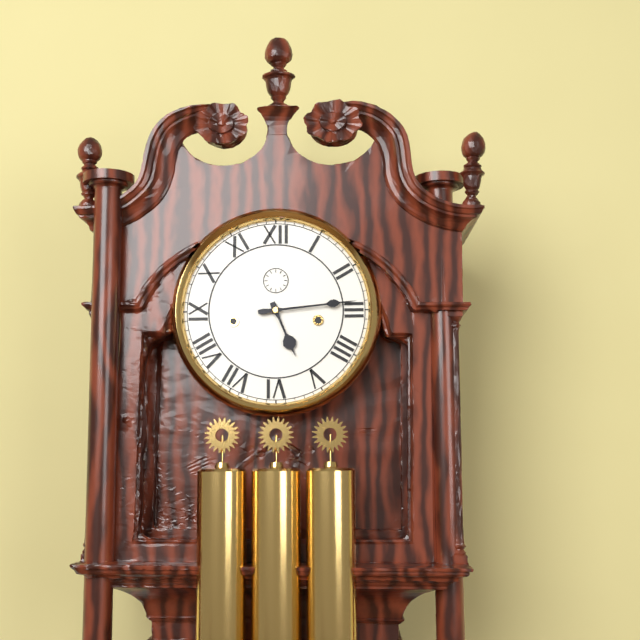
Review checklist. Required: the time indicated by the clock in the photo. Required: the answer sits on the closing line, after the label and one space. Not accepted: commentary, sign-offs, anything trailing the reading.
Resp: 5:14
